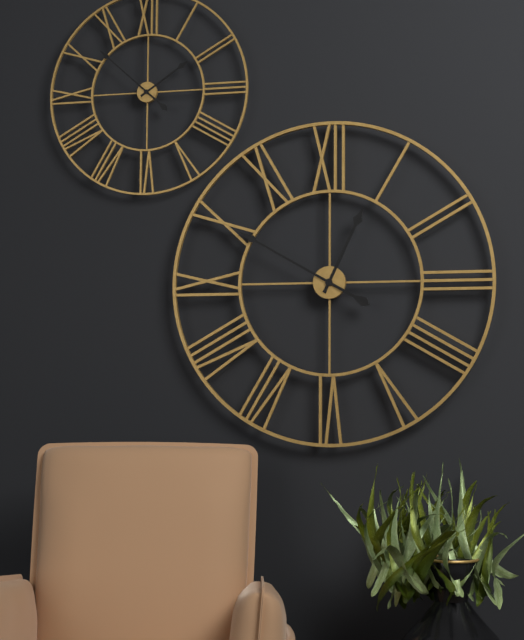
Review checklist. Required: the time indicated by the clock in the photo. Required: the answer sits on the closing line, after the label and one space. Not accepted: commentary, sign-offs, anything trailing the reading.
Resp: 12:50
